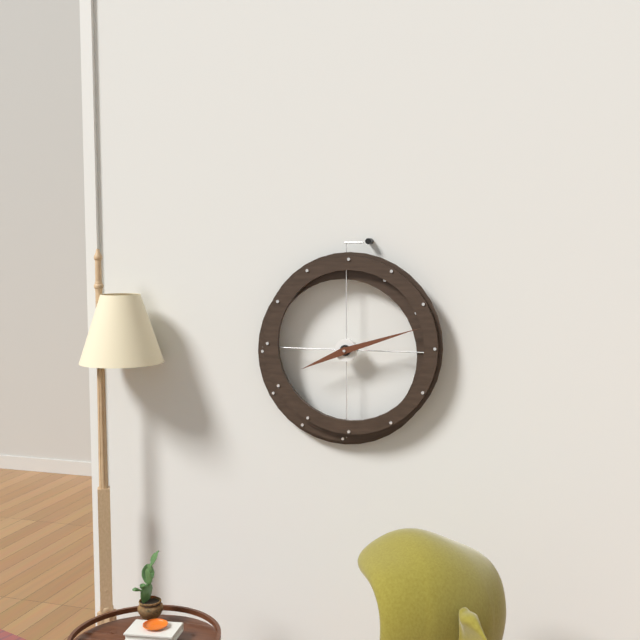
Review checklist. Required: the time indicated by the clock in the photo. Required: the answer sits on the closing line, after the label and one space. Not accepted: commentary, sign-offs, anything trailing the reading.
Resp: 8:12
